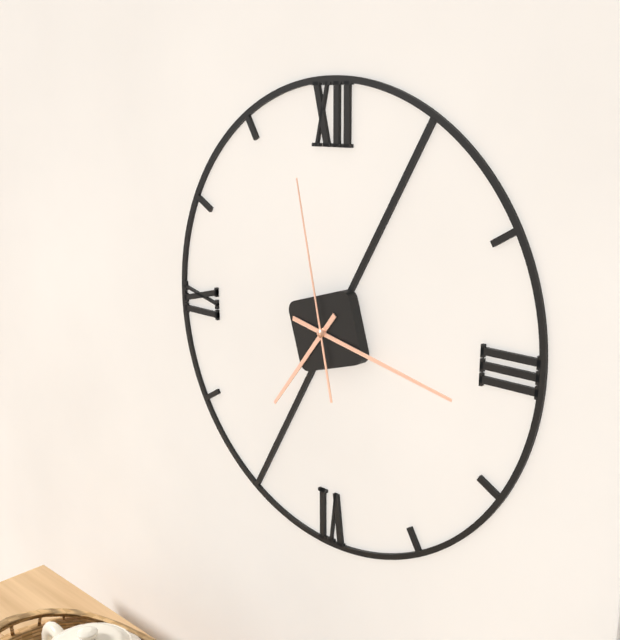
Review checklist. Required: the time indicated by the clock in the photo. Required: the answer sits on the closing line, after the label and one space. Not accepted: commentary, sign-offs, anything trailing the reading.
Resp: 7:17:58
